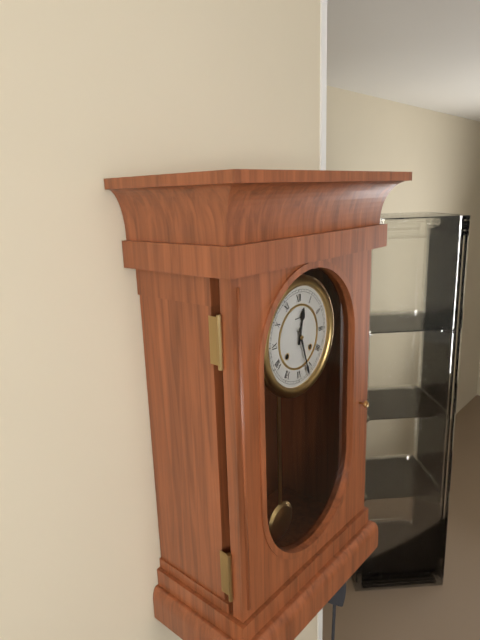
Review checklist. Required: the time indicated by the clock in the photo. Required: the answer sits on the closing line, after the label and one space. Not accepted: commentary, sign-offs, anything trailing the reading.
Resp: 12:27
